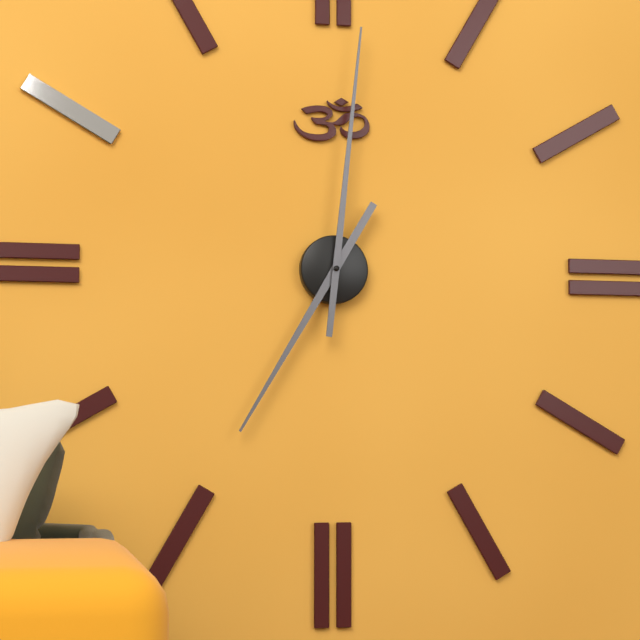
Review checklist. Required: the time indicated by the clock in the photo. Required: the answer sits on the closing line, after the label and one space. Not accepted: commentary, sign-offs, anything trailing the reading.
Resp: 7:01
